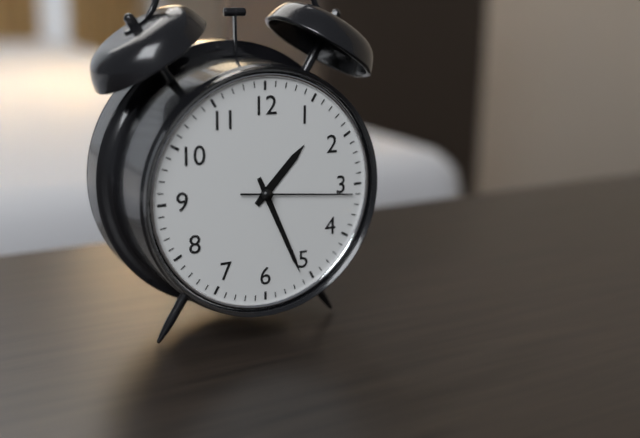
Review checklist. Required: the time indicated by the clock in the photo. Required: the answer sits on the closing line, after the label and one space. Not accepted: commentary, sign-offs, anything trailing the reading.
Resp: 1:26:16
